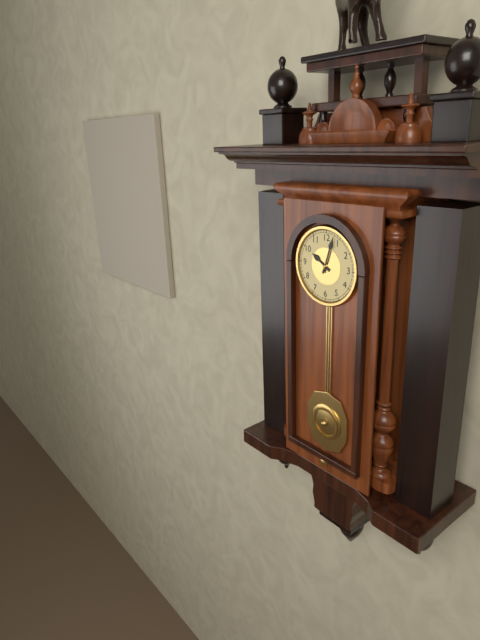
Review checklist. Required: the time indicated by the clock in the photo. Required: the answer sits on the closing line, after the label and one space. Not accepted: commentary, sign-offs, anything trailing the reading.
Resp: 10:03
